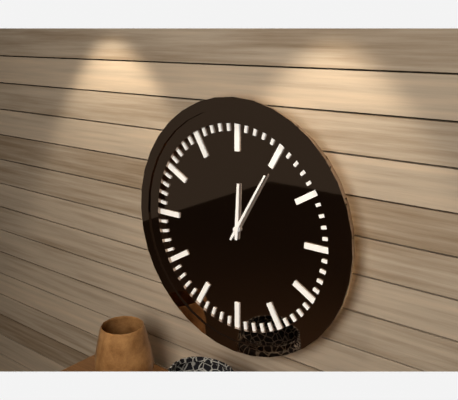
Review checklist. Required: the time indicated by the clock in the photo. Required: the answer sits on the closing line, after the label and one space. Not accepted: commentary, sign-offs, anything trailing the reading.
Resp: 12:05
